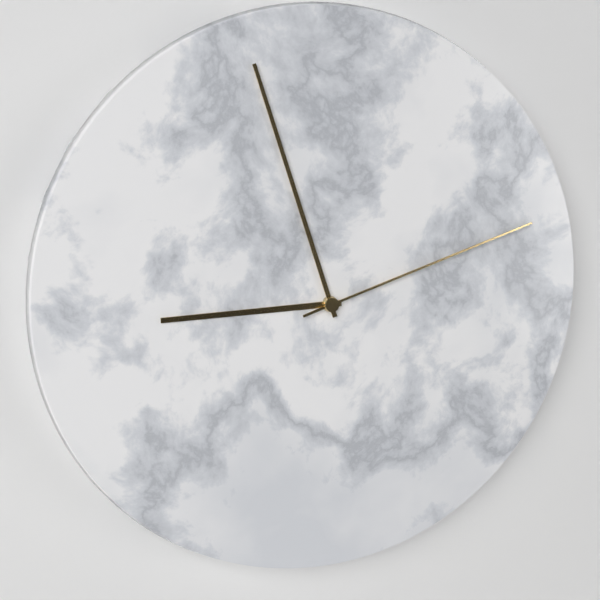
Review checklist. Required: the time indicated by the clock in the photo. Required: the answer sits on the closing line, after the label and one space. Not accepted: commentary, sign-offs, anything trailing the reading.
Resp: 8:57:12
